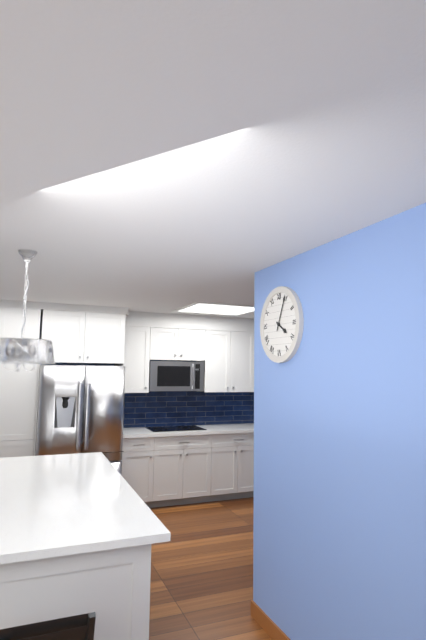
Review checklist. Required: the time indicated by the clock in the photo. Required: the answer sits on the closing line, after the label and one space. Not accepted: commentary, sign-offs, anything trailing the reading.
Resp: 4:04
